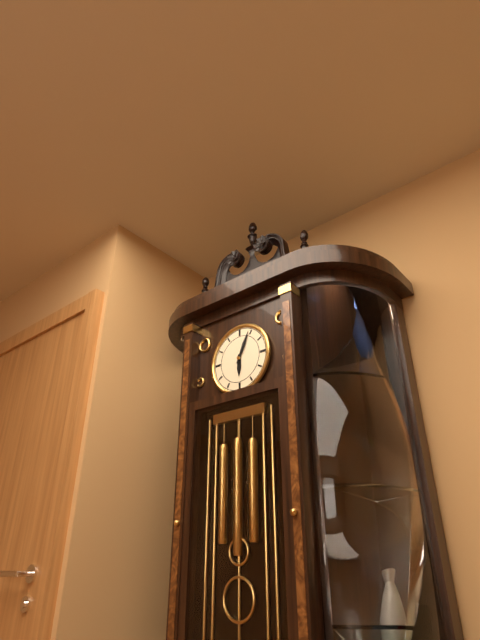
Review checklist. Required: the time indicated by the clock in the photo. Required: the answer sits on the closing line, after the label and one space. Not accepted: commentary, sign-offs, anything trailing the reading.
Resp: 6:04
